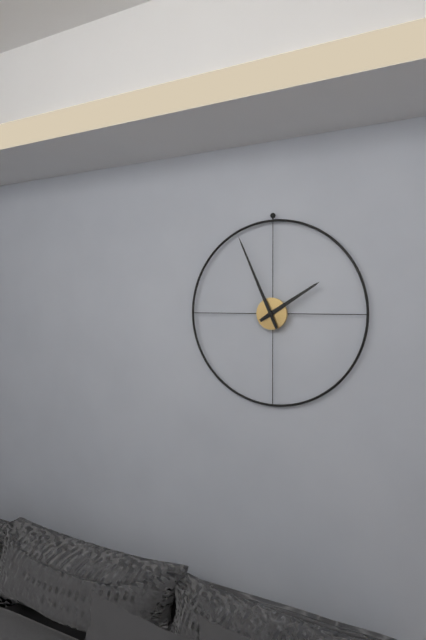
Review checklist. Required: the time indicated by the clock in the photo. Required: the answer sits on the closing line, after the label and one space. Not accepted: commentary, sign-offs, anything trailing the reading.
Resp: 1:56
